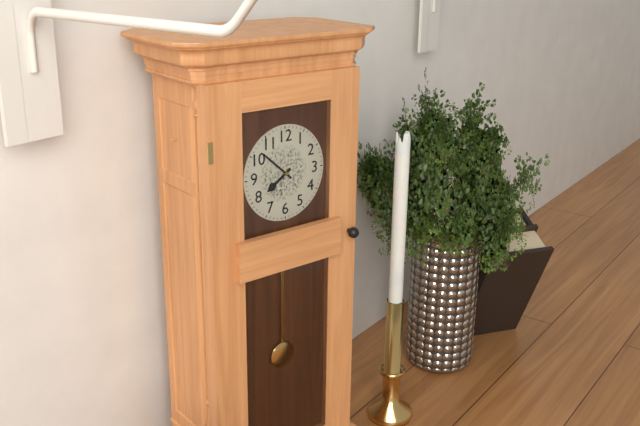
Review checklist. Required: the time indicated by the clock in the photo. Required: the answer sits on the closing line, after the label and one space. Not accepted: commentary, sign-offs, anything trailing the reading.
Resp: 7:52
